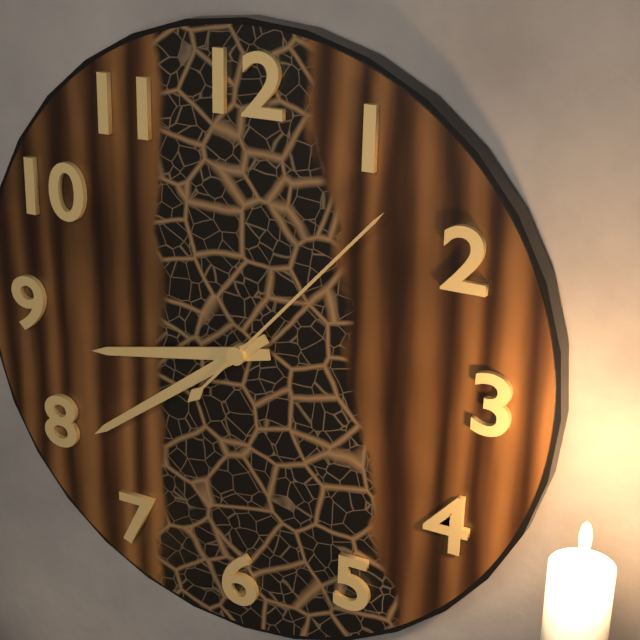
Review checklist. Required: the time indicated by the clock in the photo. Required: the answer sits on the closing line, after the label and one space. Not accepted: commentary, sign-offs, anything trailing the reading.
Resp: 8:39:07
